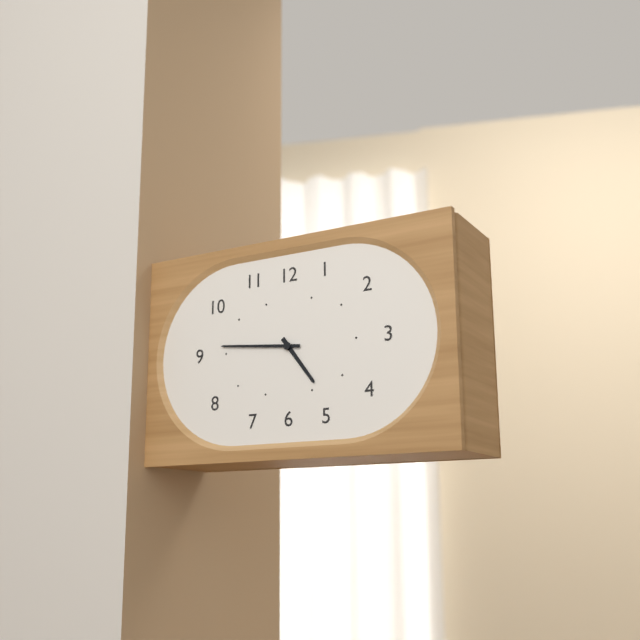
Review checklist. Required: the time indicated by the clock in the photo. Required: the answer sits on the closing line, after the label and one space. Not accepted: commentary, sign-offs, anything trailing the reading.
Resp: 4:46
